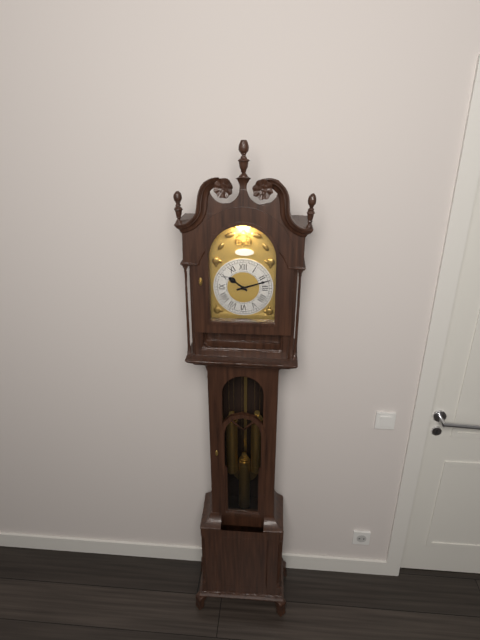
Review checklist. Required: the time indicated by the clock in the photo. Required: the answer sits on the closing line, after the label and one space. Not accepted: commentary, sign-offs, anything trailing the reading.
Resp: 10:12
